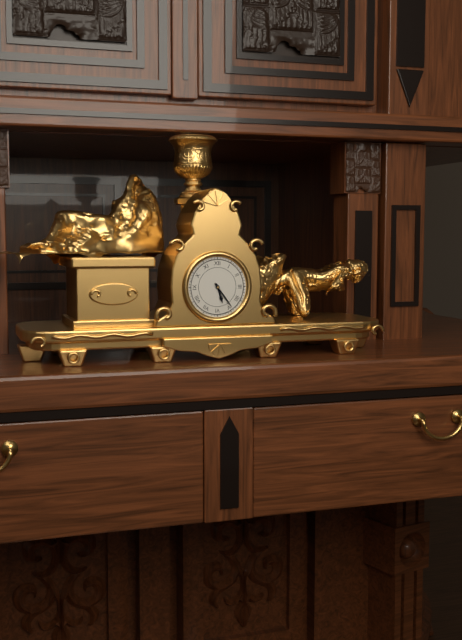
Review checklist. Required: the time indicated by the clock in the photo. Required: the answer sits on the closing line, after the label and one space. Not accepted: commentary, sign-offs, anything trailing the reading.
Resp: 5:24
